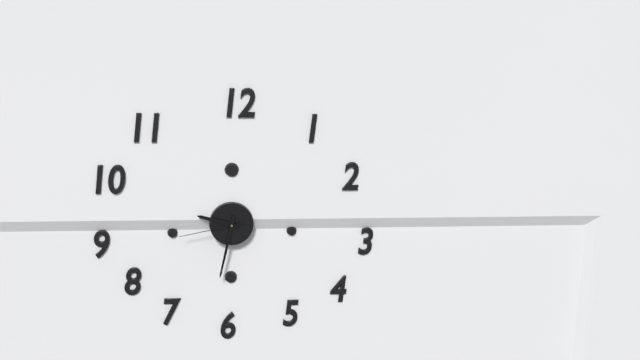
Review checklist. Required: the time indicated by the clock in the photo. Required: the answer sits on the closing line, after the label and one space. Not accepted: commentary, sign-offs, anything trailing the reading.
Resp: 9:32:43
